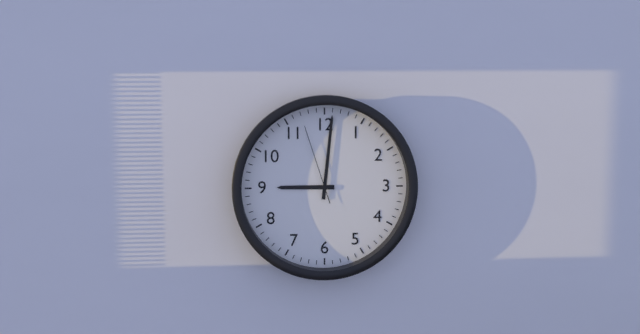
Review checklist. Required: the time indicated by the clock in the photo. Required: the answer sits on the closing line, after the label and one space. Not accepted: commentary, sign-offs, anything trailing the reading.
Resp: 9:01:57
